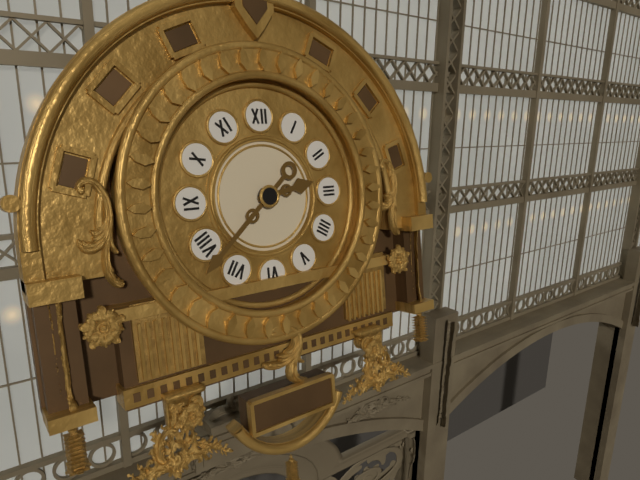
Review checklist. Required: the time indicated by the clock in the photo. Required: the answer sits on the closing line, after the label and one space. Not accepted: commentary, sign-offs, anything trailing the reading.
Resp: 2:38
